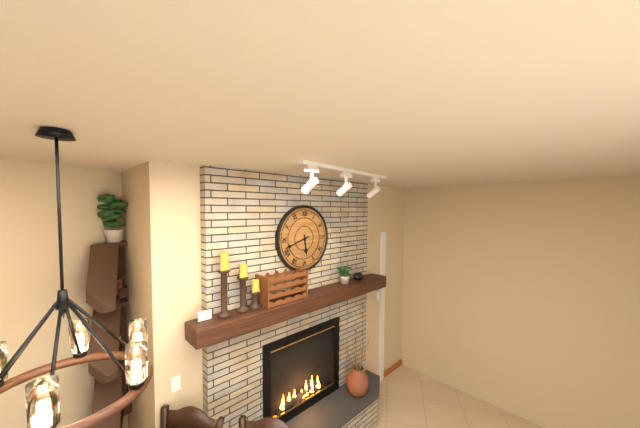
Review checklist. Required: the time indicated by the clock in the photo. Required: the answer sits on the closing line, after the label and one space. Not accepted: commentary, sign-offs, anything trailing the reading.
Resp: 5:42
